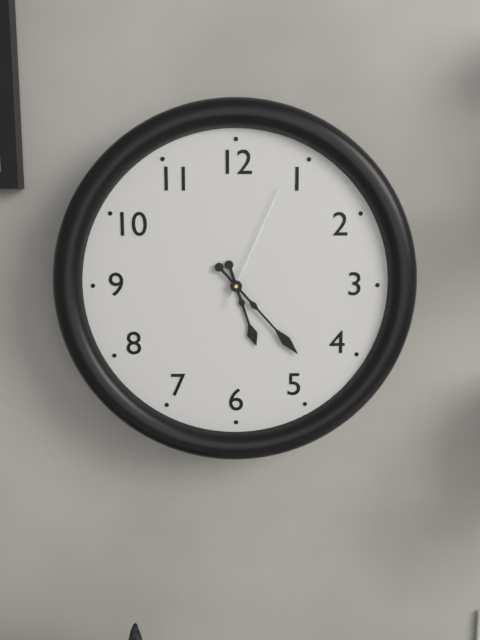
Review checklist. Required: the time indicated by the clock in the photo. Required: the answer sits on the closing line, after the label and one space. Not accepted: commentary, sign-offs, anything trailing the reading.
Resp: 5:23:04
